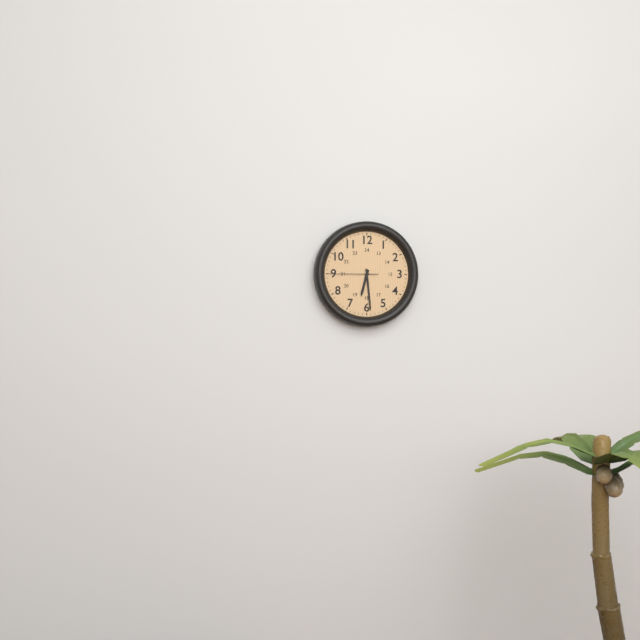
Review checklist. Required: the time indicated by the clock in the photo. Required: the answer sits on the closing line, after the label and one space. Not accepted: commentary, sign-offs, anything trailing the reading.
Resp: 6:29
